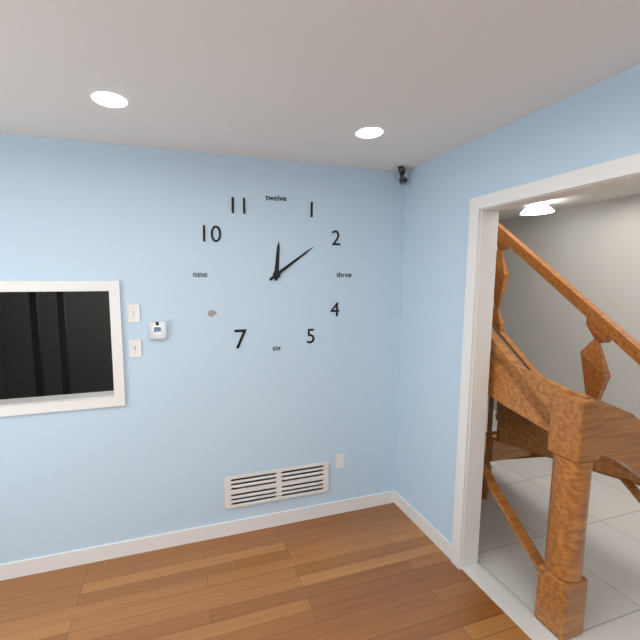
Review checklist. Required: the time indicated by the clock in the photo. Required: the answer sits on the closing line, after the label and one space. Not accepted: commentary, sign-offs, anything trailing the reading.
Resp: 12:09
